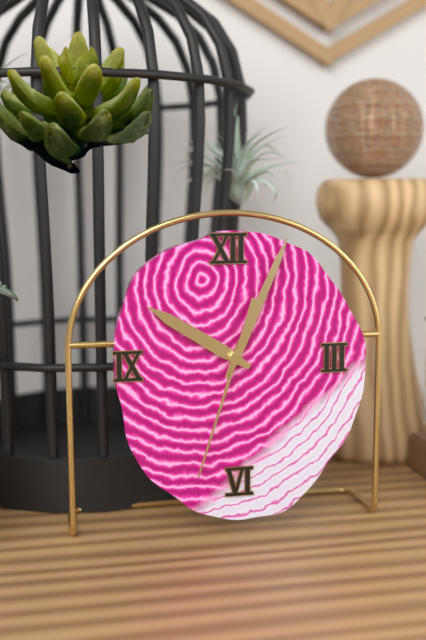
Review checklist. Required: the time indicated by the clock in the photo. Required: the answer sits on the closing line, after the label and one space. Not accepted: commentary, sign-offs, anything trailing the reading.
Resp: 10:04:33
